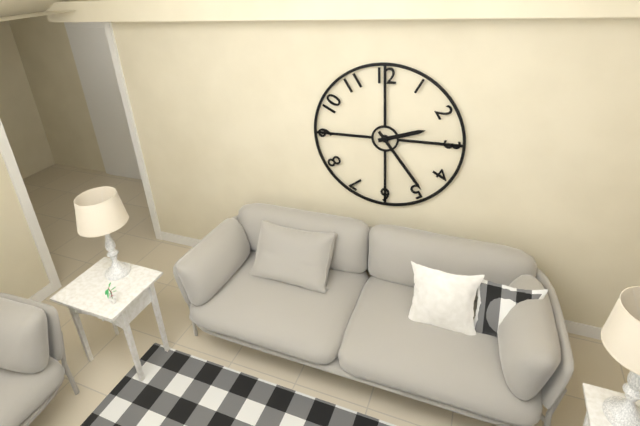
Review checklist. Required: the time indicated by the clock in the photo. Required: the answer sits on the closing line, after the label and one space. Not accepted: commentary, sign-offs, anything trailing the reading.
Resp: 2:24
